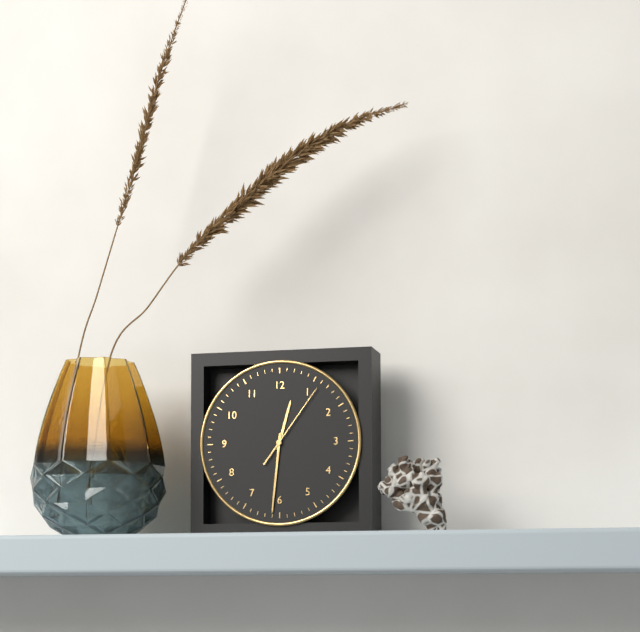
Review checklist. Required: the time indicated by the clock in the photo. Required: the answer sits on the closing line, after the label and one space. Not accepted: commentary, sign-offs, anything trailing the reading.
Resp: 12:31:06
